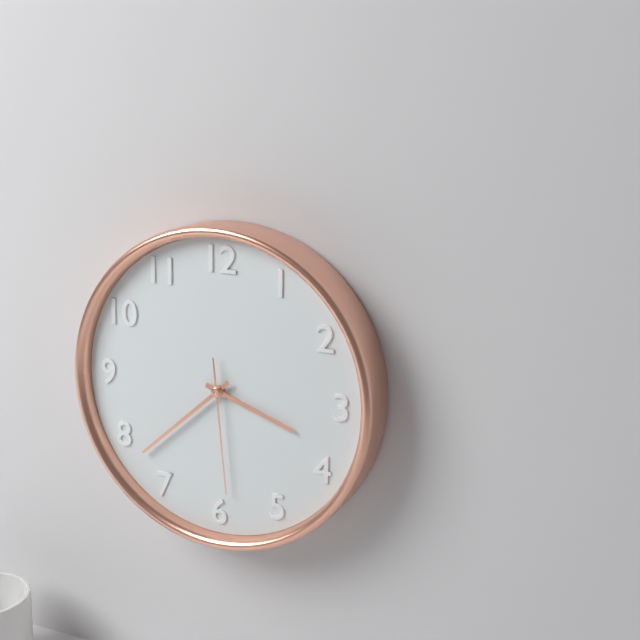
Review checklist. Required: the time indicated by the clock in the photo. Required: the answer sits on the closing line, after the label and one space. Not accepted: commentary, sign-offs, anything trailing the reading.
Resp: 3:38:29
